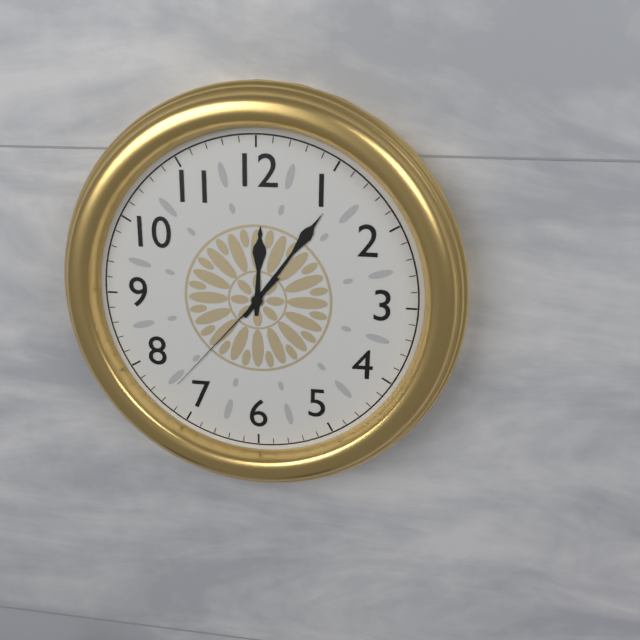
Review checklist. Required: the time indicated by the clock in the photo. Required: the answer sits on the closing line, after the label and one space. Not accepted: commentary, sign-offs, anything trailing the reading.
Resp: 12:06:37
